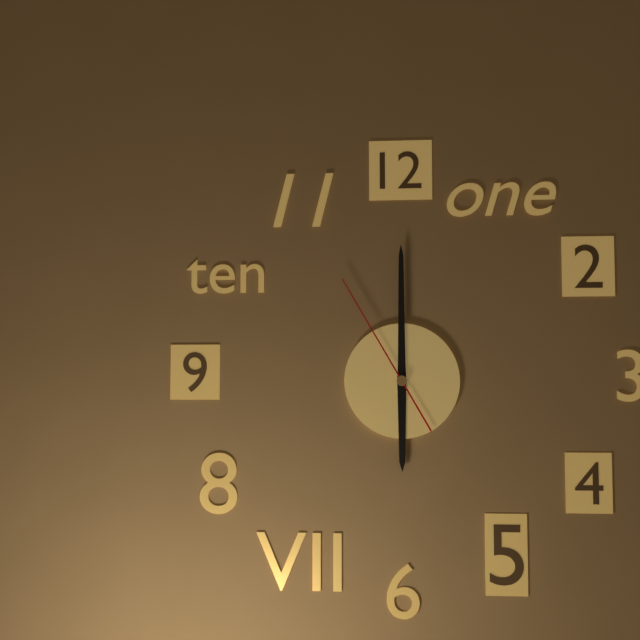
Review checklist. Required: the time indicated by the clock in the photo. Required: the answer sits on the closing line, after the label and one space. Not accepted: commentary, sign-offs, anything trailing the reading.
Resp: 6:00:55
